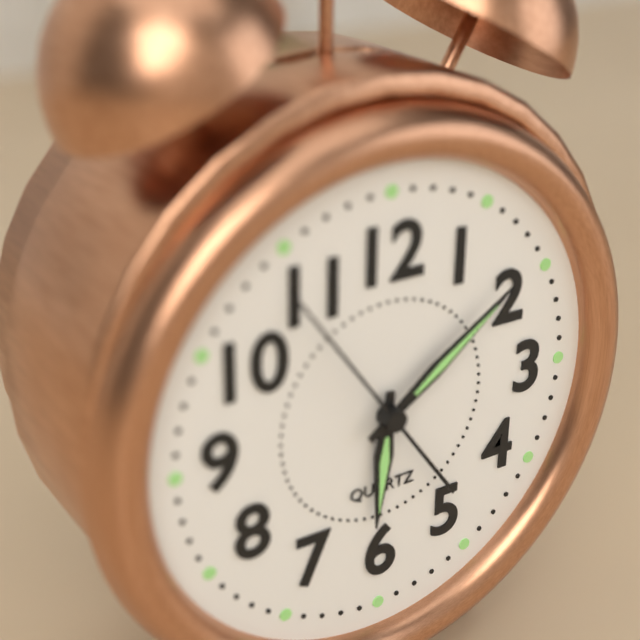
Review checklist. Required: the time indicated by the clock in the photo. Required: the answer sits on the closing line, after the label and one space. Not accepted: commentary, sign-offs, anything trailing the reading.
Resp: 6:09:54
